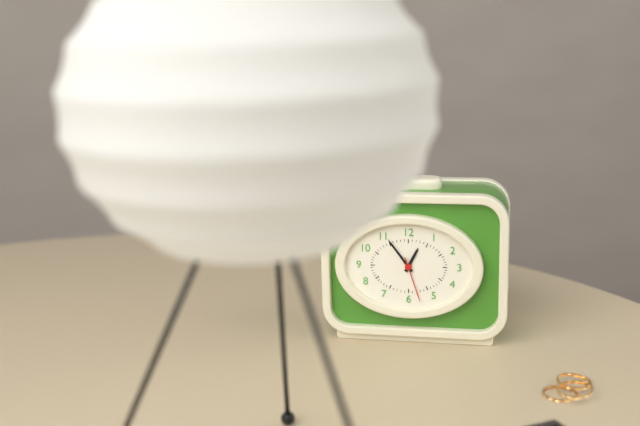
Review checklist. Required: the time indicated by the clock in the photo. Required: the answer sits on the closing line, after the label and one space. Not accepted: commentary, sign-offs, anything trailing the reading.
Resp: 12:54
